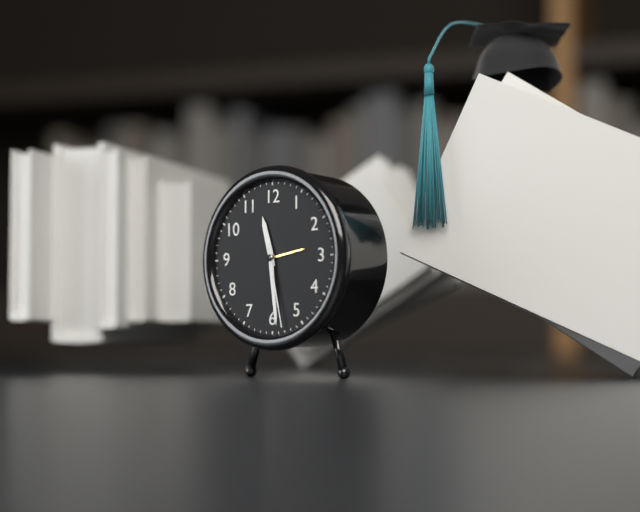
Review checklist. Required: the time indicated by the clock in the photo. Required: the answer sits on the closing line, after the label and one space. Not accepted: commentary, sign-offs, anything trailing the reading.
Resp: 11:29:28
